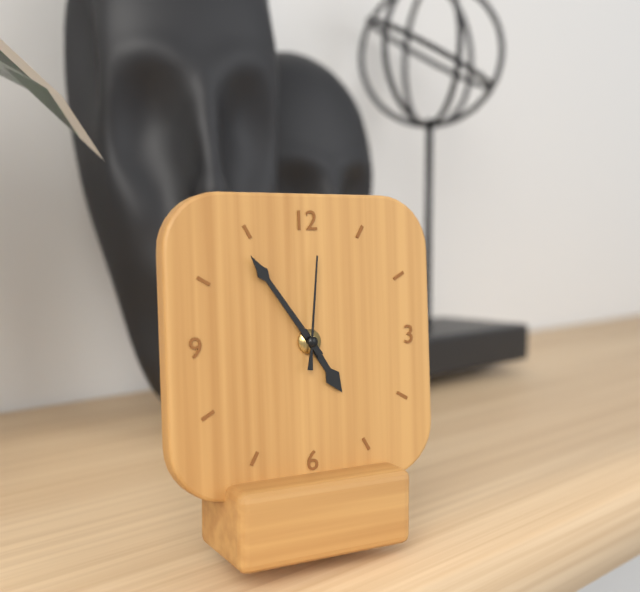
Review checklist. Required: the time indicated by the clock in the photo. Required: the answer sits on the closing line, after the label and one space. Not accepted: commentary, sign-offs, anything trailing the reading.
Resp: 4:54:01
